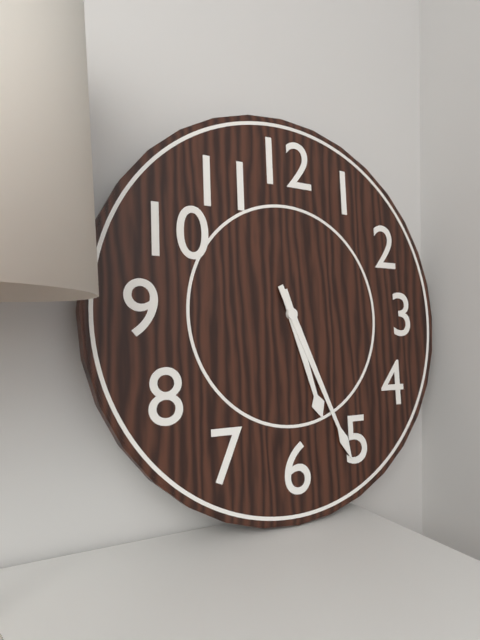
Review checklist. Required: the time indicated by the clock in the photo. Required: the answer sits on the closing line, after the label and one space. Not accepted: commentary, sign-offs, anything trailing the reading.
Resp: 5:26
